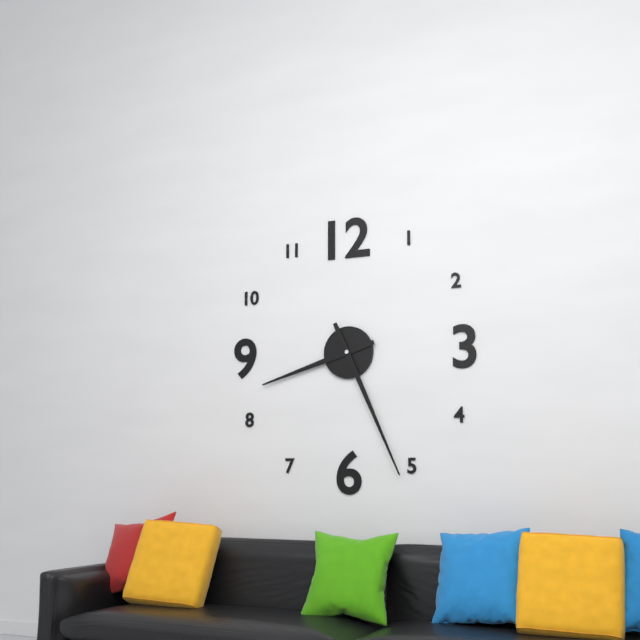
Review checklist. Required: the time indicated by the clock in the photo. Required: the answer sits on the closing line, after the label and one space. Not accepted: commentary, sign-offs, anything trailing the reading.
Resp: 8:26
